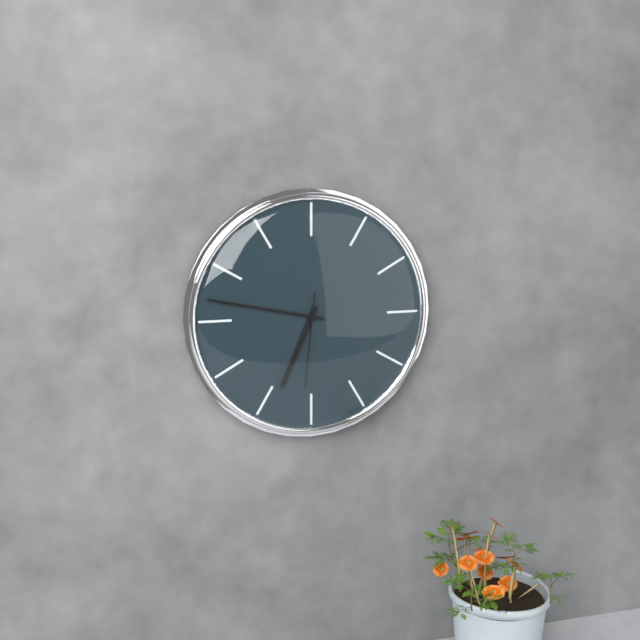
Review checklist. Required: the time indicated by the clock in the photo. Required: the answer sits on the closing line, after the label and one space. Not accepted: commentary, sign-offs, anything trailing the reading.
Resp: 6:47:31
